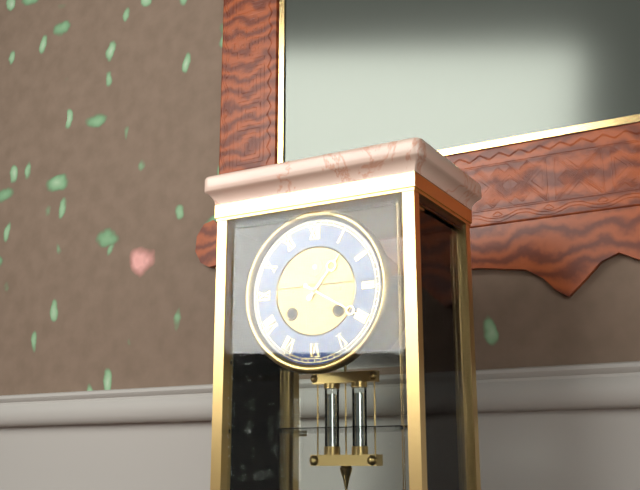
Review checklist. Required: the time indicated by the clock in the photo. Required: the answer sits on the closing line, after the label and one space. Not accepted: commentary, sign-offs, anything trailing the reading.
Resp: 1:20
